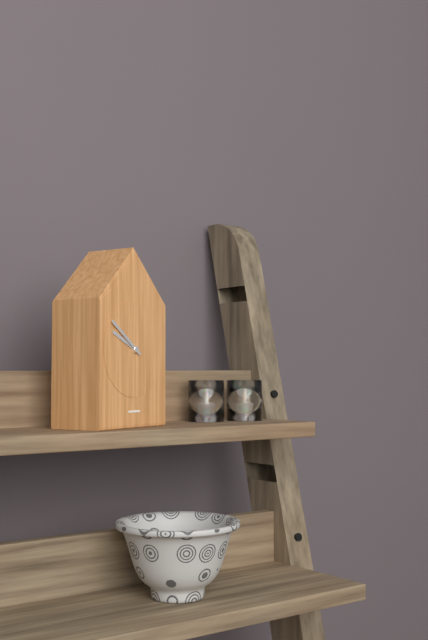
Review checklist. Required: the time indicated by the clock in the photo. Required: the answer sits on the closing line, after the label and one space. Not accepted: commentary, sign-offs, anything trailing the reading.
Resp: 9:51
